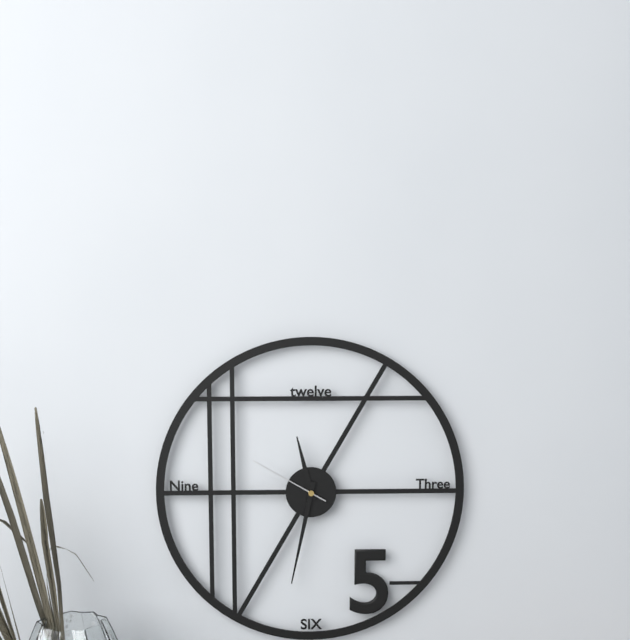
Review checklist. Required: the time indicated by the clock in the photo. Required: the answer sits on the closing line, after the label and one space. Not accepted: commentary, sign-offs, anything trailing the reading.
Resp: 11:32:50
